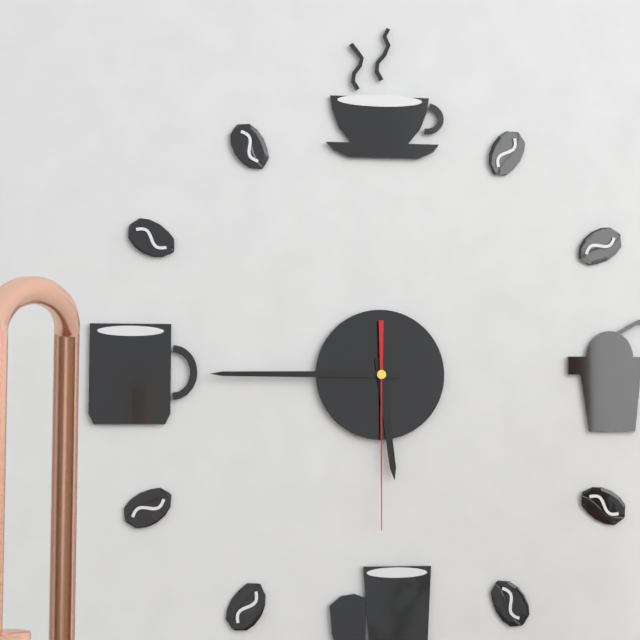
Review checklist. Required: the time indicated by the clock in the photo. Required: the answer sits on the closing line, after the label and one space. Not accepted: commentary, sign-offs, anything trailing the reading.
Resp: 5:45:30
